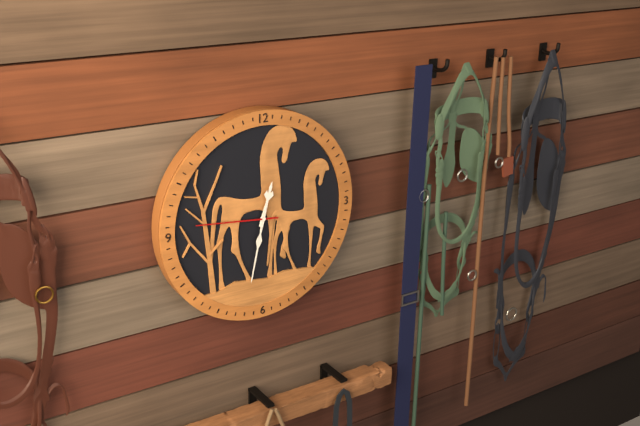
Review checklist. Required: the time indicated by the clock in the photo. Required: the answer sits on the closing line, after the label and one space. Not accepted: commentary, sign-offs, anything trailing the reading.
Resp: 12:32:46
